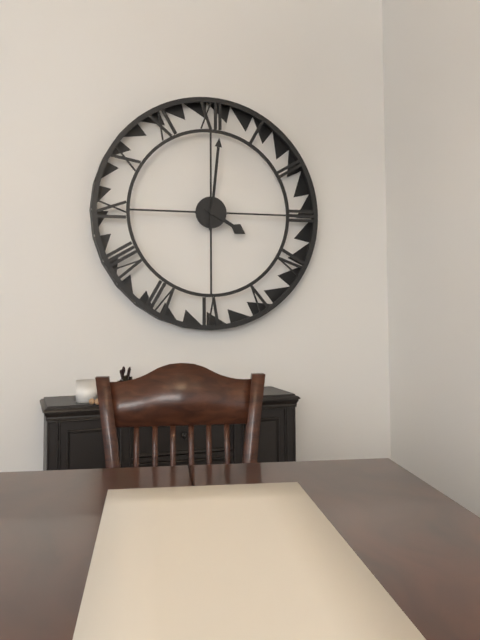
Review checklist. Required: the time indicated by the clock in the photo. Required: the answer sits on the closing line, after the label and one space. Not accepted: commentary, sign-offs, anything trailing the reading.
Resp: 4:01
